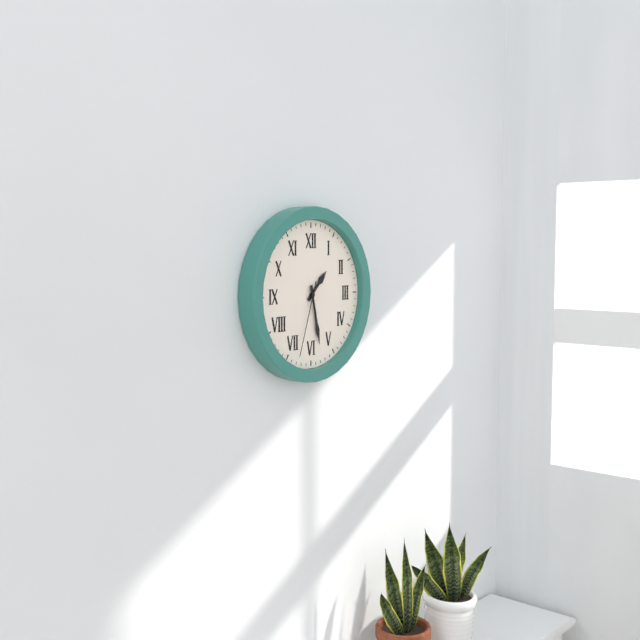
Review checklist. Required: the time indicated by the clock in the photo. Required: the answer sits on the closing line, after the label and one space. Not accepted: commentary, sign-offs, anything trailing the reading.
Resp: 1:28:33
